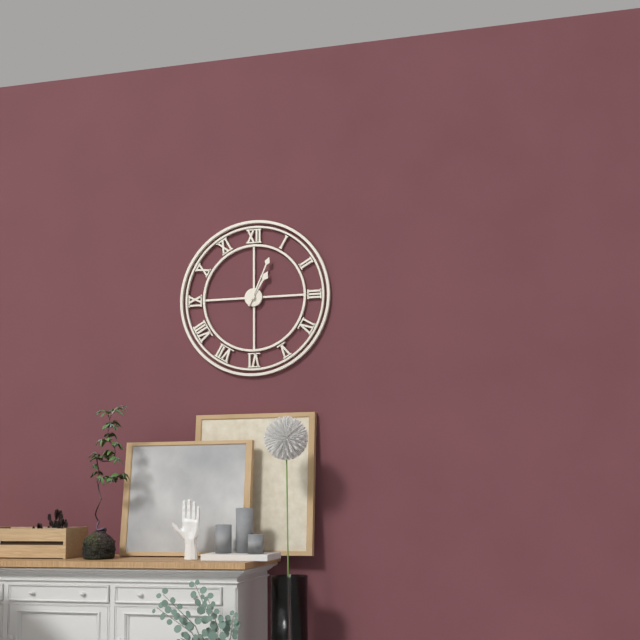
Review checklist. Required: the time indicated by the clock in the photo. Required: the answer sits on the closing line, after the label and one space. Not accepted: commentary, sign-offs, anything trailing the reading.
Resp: 1:04
